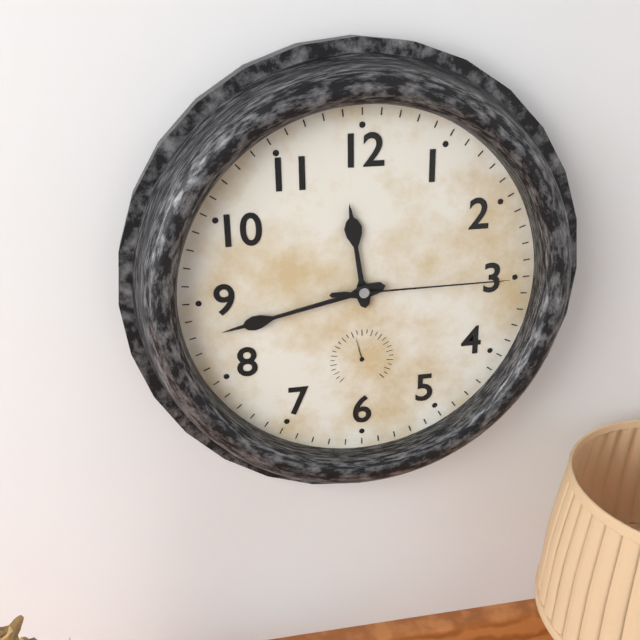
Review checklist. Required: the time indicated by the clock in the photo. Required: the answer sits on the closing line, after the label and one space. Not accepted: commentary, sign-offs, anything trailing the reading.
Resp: 11:43:15
